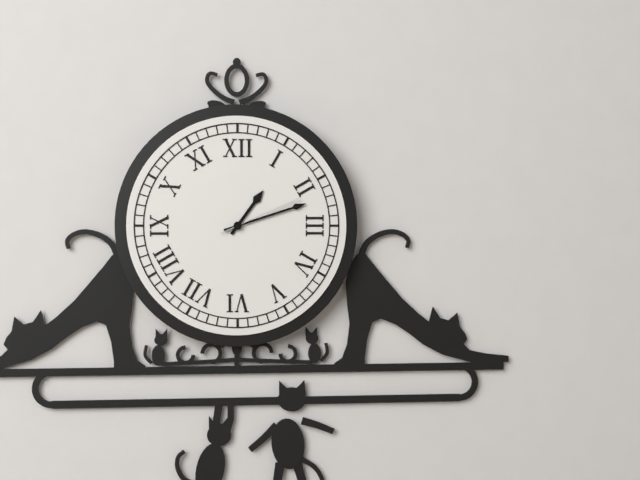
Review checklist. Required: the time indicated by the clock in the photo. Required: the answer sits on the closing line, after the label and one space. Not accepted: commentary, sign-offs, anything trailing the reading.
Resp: 1:12:11
